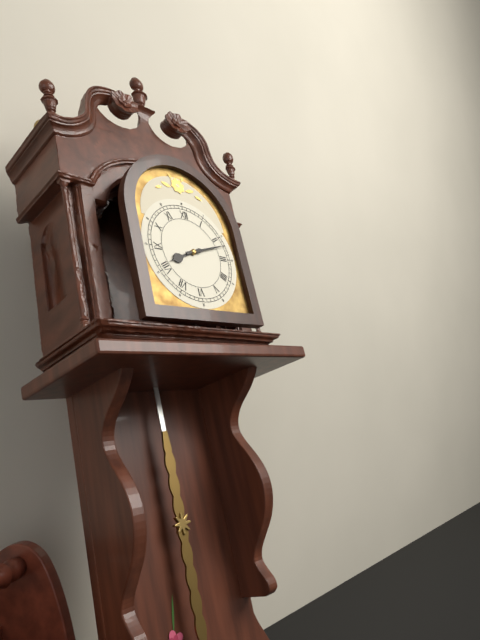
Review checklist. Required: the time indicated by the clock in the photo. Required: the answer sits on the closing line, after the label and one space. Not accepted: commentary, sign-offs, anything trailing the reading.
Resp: 8:12
